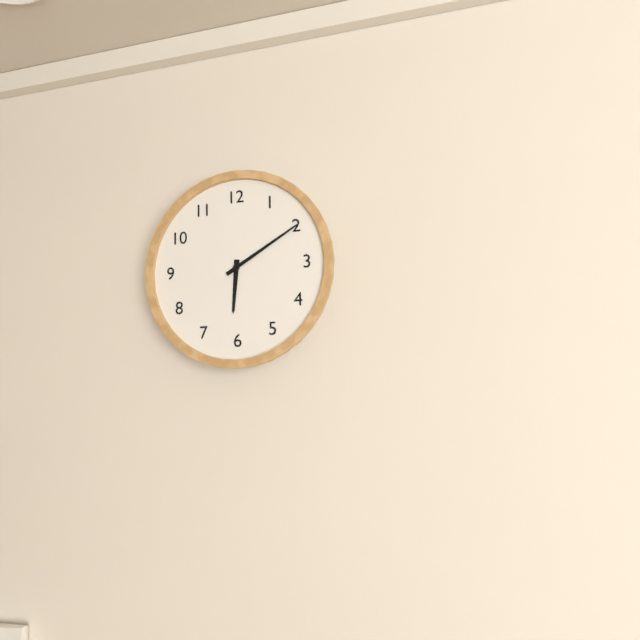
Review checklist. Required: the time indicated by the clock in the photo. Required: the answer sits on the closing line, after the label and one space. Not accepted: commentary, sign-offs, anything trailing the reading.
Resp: 6:10
